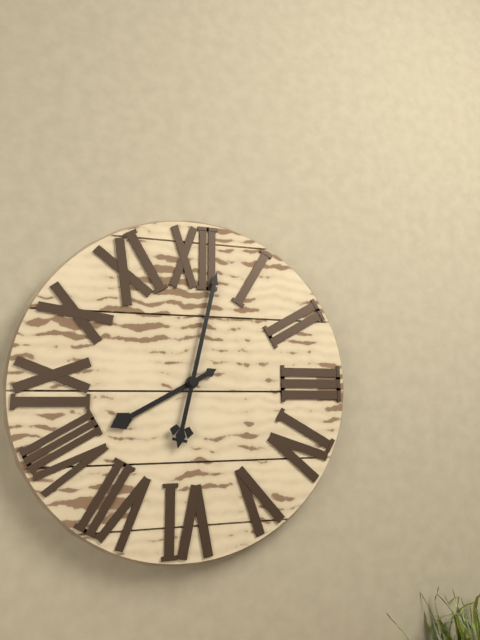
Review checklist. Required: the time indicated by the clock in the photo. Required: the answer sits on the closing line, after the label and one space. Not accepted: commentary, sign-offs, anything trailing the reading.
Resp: 8:02
